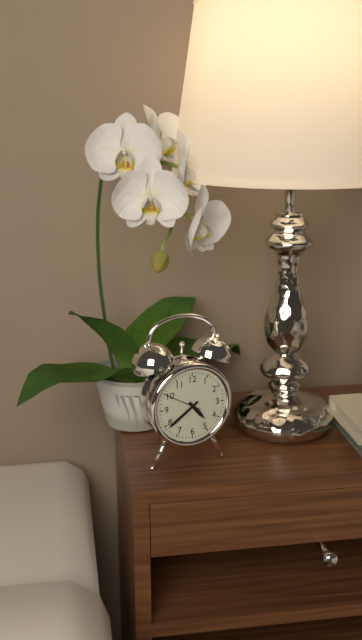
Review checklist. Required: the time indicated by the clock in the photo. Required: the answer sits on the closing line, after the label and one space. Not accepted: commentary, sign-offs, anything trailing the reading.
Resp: 4:39
